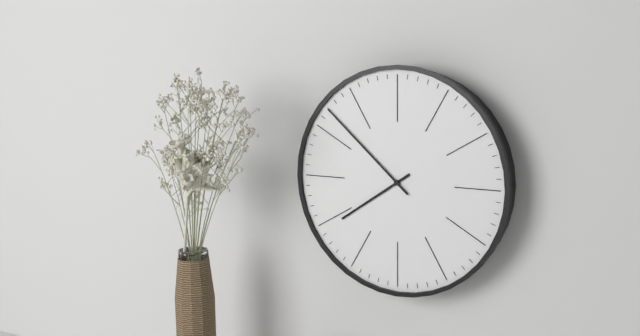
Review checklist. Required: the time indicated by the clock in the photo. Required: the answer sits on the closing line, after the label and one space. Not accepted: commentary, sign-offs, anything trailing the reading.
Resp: 7:52
